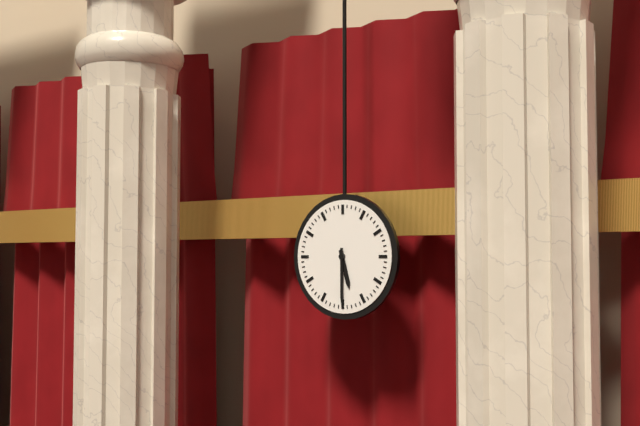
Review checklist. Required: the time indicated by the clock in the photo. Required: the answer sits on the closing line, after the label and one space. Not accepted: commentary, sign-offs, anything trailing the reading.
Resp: 5:30
